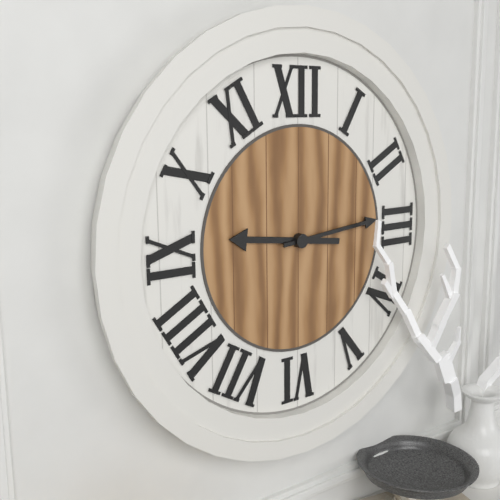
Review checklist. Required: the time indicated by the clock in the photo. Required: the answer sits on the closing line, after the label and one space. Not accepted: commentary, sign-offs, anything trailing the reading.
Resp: 9:14
